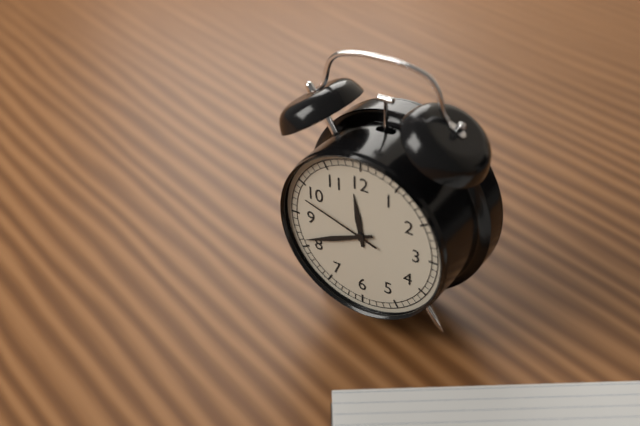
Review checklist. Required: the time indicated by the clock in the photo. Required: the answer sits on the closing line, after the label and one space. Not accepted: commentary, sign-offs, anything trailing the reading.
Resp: 11:41:48
